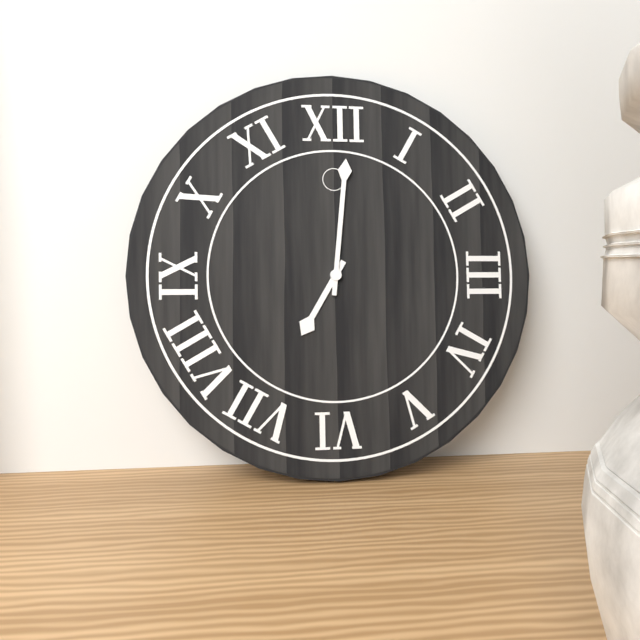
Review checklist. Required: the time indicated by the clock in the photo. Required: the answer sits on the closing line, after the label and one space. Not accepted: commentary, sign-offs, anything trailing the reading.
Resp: 7:01
